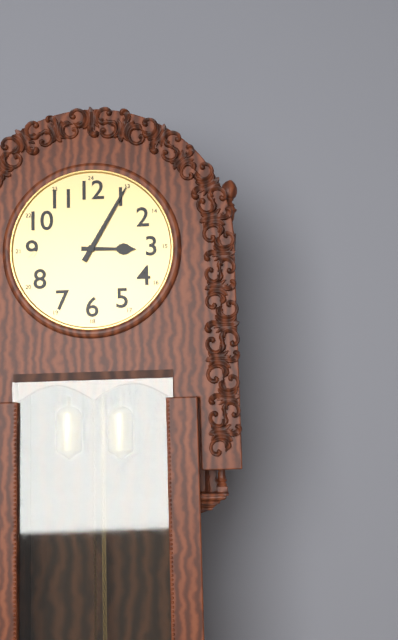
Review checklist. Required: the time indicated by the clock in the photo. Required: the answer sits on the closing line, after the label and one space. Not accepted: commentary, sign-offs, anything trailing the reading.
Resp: 3:05
